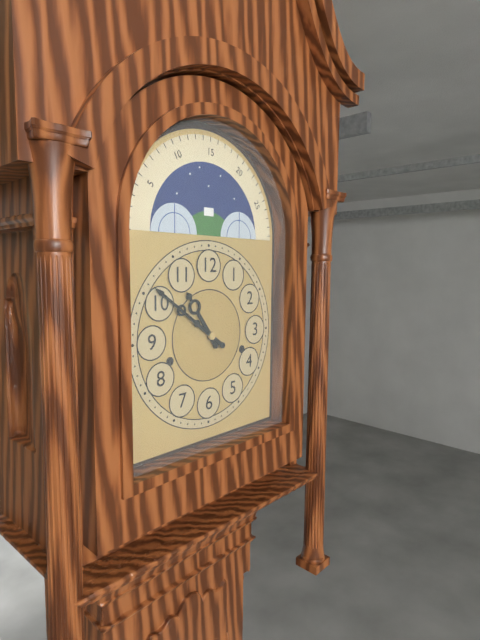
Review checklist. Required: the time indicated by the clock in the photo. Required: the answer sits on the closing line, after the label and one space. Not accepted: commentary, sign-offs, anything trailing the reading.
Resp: 10:51
